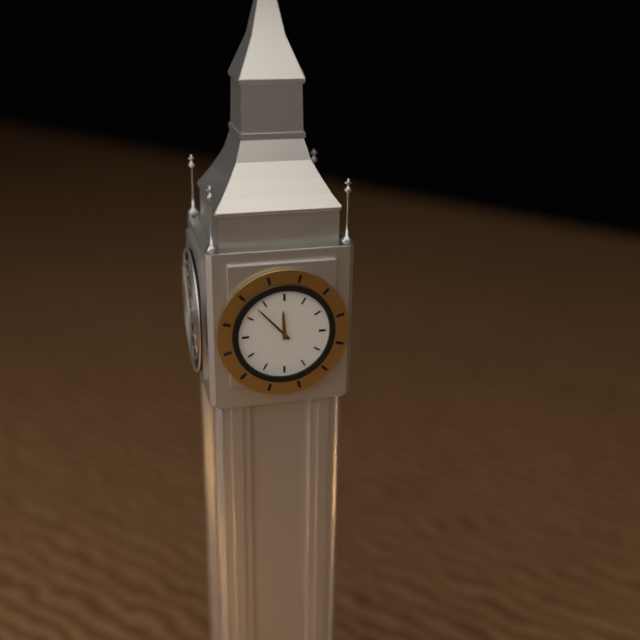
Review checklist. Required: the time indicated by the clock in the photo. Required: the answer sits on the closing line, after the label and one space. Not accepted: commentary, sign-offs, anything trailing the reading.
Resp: 11:53
